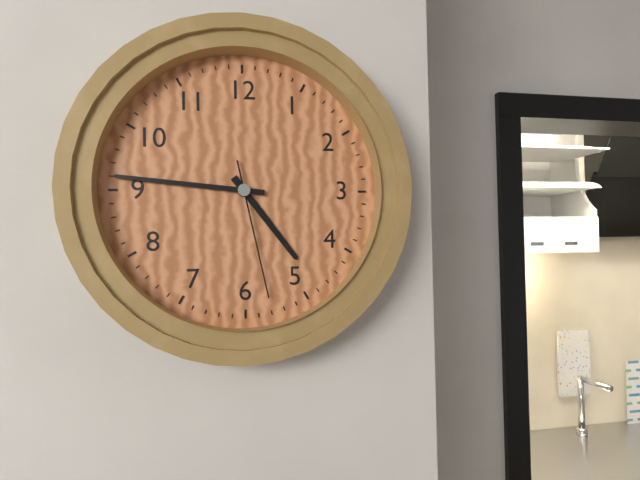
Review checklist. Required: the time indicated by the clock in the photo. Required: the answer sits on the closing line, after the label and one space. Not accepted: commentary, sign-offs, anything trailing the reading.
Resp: 4:46:28
